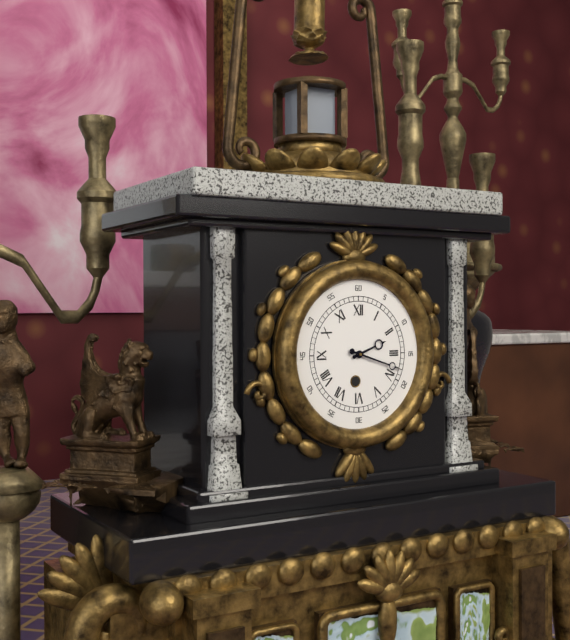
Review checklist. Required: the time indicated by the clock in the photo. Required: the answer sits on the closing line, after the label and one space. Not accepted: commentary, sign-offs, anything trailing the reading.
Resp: 2:18
